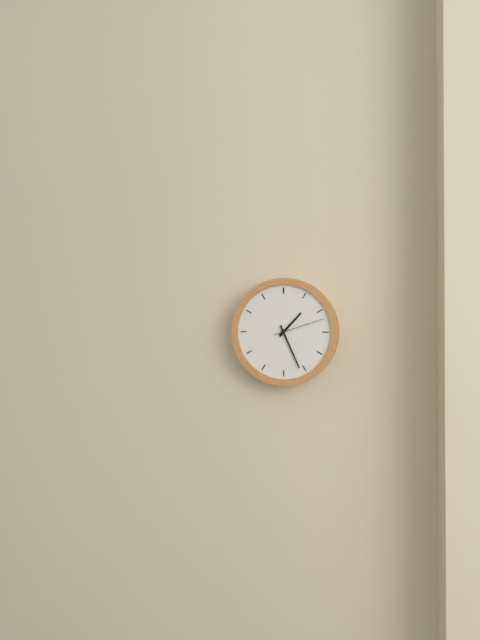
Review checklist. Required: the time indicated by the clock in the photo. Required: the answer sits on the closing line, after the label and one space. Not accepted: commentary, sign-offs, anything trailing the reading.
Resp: 1:26:12
